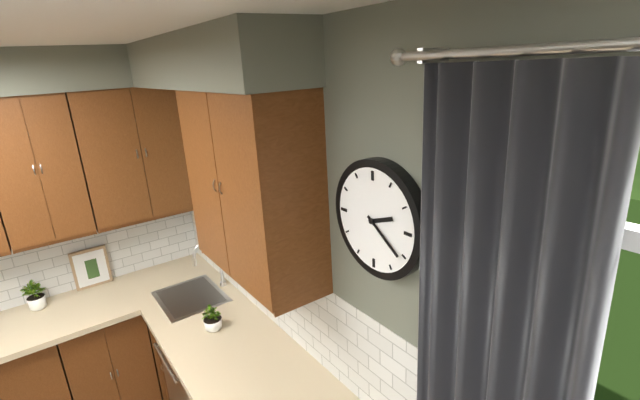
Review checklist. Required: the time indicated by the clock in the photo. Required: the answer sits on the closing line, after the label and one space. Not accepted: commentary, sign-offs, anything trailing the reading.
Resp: 2:21
